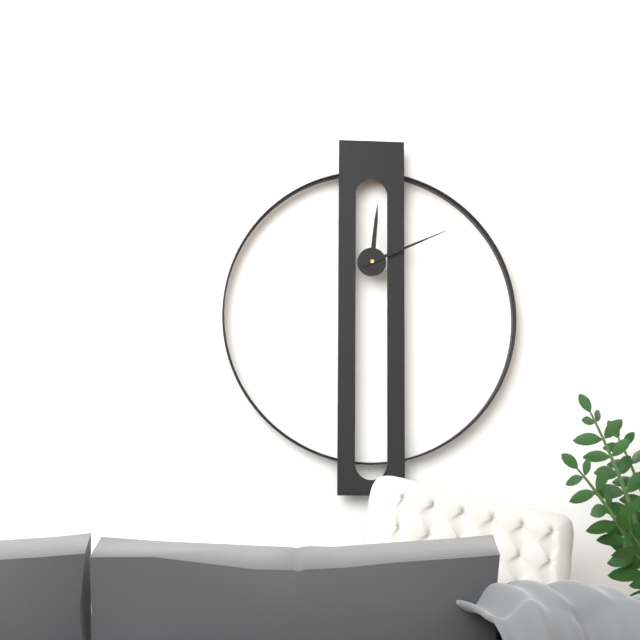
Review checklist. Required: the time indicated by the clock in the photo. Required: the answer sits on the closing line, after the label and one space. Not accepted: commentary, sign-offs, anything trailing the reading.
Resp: 12:11
